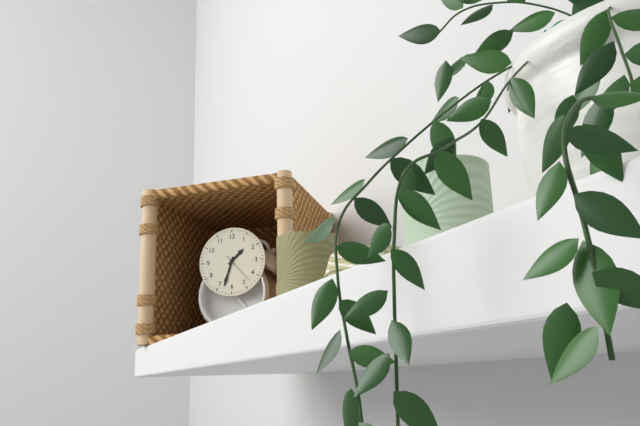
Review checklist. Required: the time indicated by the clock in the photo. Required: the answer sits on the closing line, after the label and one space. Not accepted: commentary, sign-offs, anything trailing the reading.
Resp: 1:33
